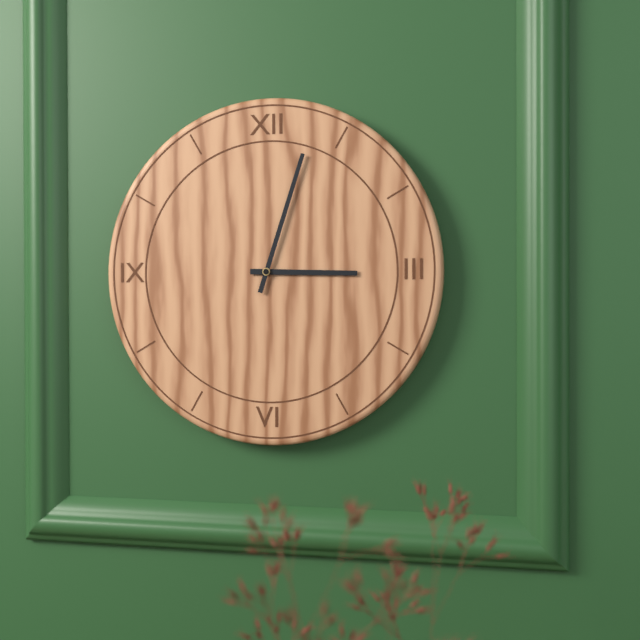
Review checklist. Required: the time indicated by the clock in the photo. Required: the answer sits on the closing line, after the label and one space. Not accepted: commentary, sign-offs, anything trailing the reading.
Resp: 3:03
